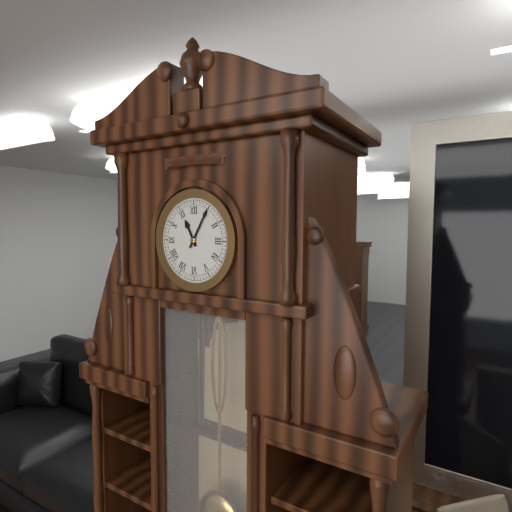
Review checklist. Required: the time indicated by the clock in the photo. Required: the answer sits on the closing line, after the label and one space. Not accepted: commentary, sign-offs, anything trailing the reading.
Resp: 11:05
